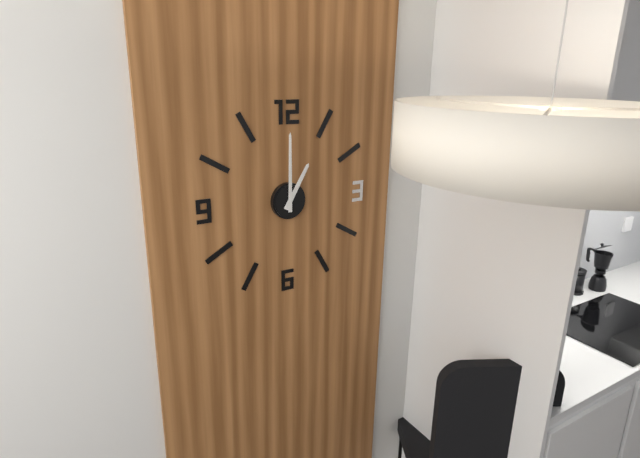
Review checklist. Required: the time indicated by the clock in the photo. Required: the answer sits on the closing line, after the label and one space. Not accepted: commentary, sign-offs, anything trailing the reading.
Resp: 1:00
